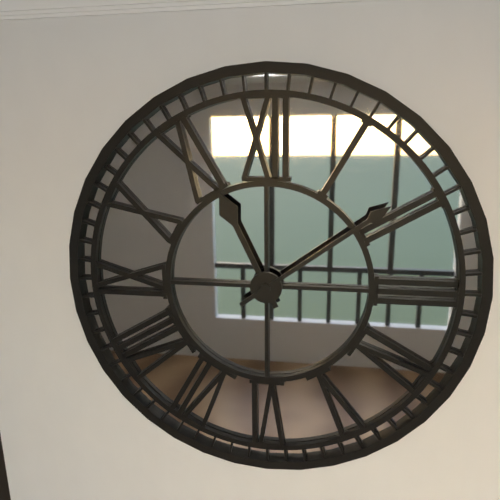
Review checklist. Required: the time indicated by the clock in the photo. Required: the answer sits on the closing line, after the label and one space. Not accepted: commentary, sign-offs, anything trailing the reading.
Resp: 11:09
